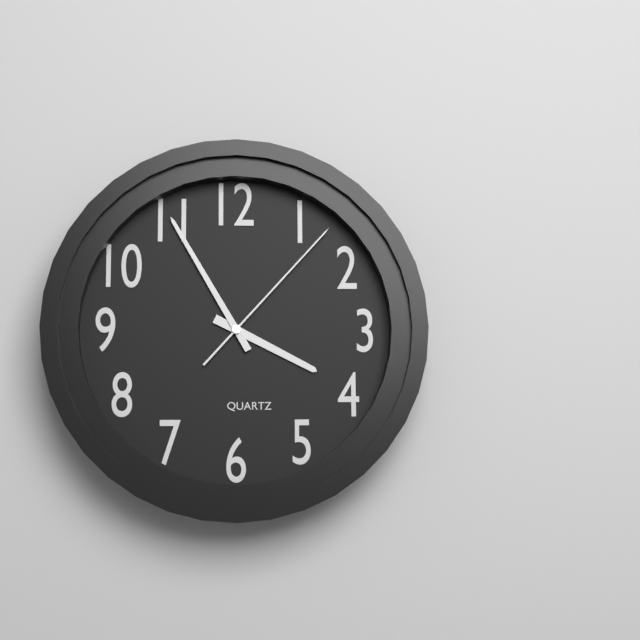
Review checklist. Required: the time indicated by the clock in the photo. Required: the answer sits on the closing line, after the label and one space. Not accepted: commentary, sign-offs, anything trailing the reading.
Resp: 3:55:07
